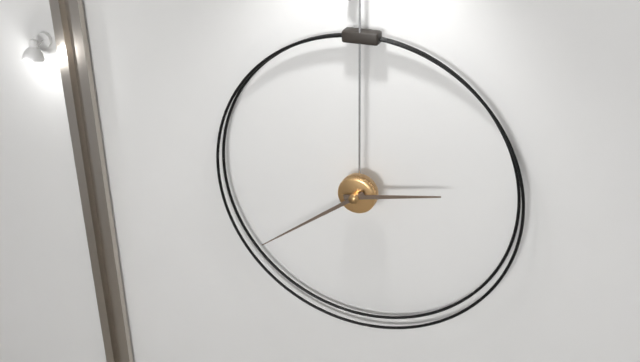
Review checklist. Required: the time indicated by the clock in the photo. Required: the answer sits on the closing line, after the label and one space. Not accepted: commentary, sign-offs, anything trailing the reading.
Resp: 2:39
